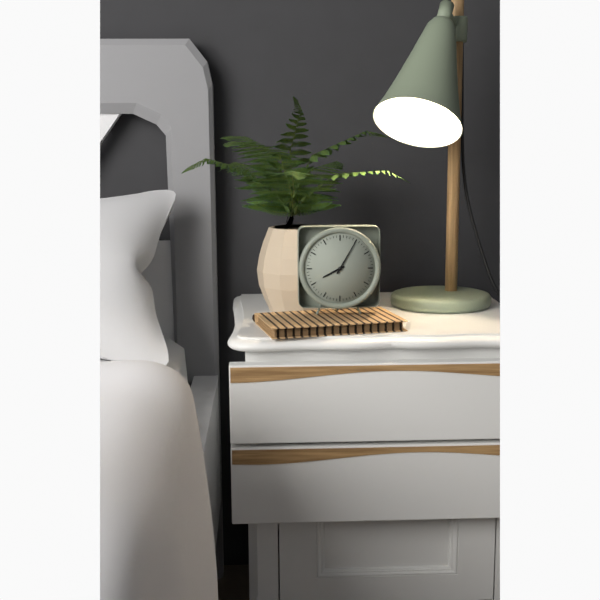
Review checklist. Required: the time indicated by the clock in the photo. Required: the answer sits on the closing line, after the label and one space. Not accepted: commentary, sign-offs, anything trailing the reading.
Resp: 8:05
